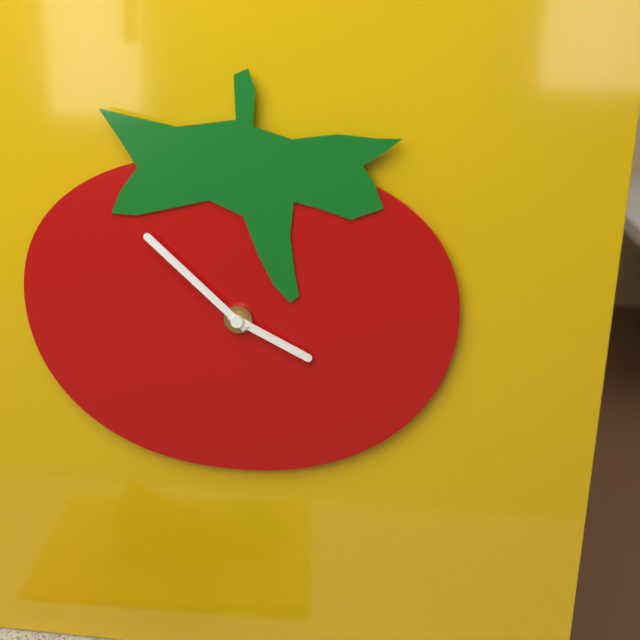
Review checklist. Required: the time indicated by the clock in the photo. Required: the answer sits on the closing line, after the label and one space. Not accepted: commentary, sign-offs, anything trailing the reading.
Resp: 3:52
